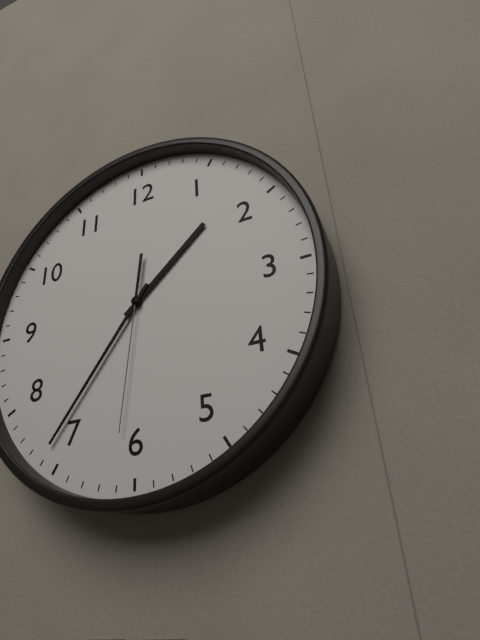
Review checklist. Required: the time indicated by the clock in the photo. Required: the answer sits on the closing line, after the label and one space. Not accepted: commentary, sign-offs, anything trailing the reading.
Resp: 1:36:31
